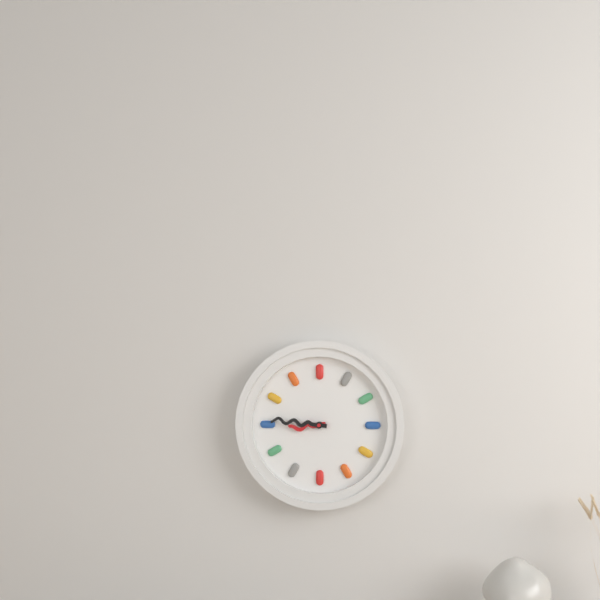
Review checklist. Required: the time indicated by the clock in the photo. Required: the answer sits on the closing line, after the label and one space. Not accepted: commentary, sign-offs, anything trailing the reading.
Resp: 8:46
